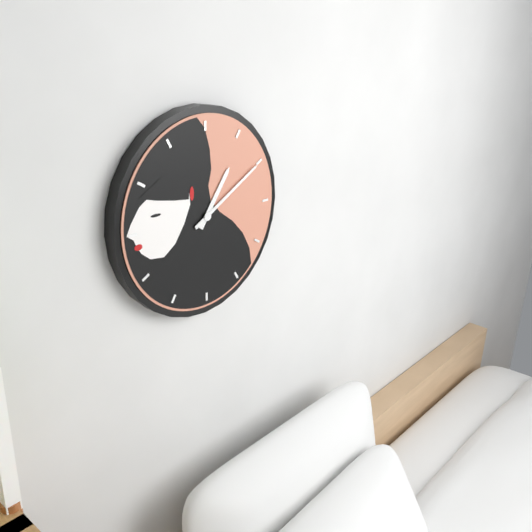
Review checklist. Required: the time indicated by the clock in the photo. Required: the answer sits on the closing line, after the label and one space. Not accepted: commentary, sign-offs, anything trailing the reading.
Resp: 1:10
